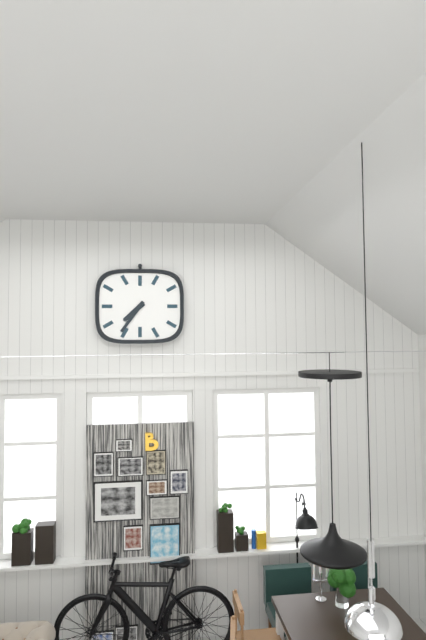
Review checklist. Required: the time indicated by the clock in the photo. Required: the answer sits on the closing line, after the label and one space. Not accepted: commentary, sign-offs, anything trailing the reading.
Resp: 7:36
